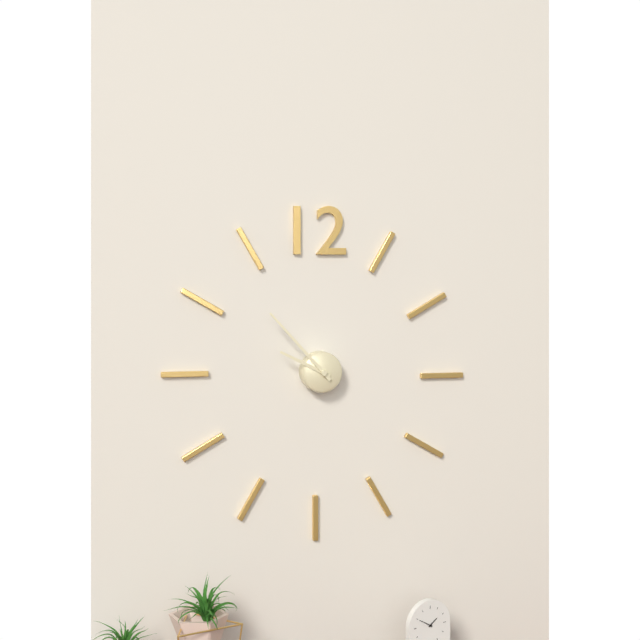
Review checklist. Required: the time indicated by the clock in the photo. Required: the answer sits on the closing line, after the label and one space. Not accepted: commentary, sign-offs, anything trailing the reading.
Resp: 9:53
